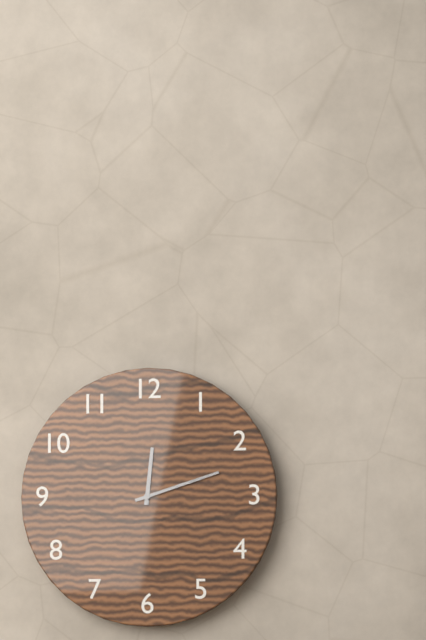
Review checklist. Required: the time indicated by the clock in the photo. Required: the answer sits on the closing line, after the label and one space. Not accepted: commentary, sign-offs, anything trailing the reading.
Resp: 12:12
